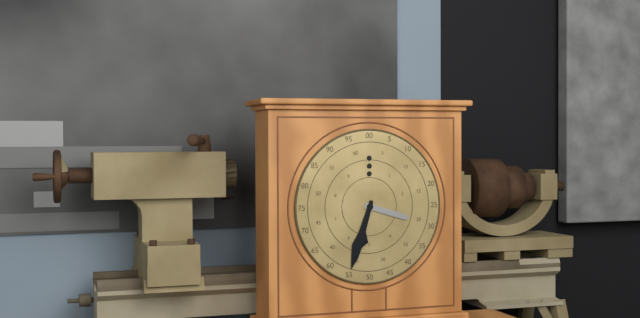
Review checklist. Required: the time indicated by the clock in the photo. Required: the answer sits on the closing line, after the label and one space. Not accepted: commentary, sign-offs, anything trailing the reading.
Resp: 3:33
